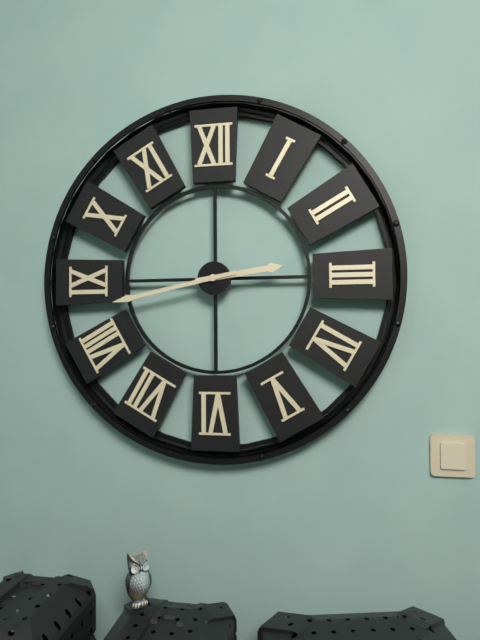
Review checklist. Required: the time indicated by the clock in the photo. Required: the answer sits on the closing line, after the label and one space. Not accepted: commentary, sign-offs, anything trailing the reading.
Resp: 2:43
